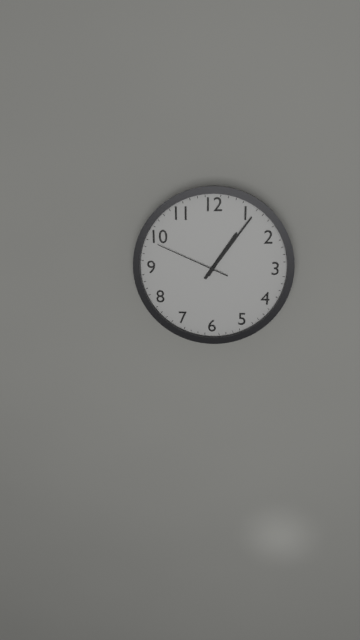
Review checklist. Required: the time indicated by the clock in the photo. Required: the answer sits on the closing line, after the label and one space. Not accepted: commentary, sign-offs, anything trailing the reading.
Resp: 1:06:49
